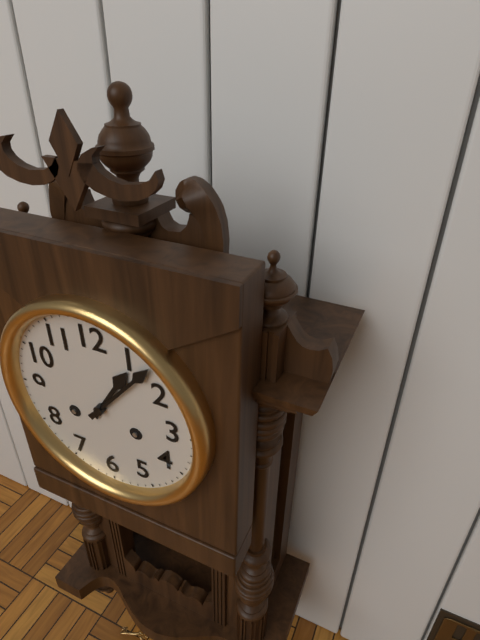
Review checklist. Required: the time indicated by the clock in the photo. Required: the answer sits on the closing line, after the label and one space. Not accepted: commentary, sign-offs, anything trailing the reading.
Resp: 1:07
